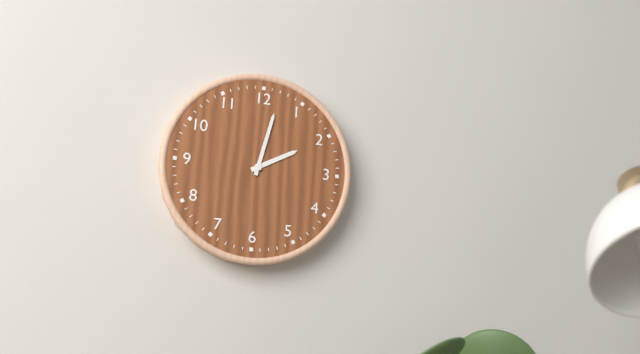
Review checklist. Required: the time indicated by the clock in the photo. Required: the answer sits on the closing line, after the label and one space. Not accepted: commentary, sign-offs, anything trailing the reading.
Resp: 2:02
